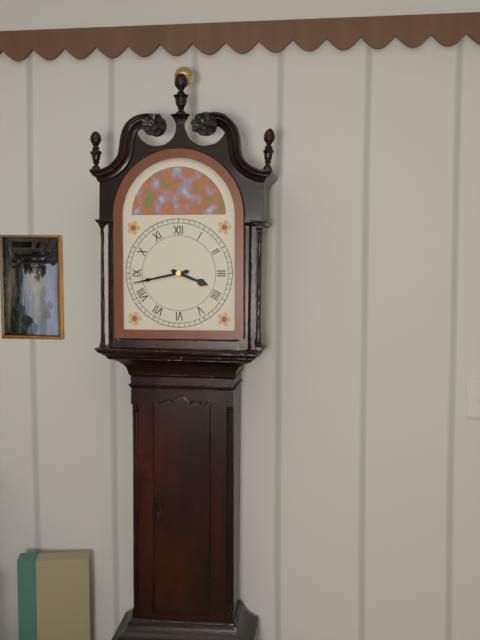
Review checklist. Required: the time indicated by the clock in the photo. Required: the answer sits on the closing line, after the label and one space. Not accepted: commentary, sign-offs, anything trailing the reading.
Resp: 3:43
